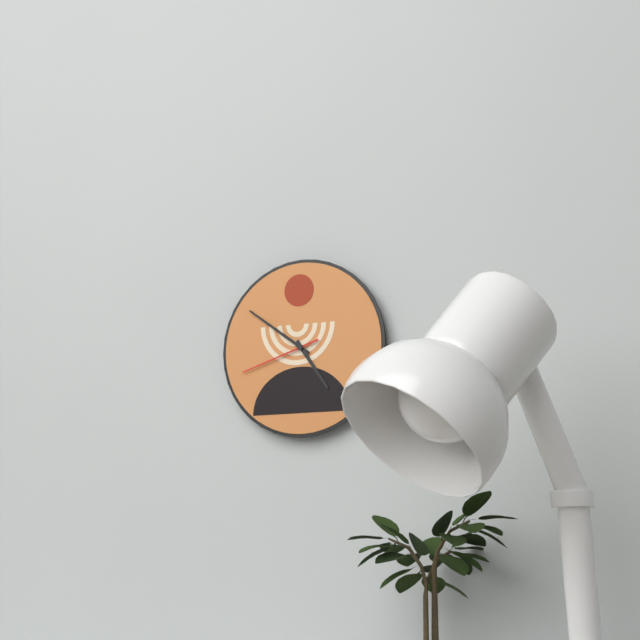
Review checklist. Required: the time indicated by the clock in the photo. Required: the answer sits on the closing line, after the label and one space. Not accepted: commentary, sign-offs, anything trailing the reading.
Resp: 4:51:42
